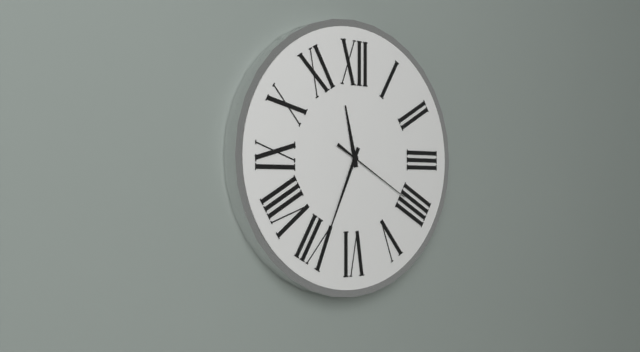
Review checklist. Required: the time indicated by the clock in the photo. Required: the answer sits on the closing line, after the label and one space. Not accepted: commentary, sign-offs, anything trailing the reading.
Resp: 11:34:20
